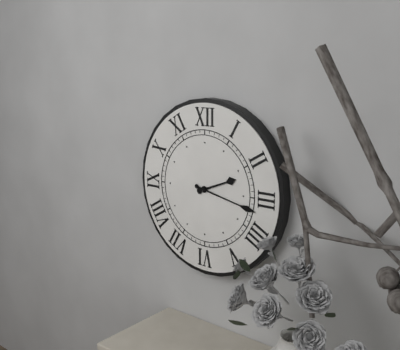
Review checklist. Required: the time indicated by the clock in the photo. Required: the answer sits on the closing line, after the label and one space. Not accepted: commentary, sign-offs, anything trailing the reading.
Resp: 2:17
